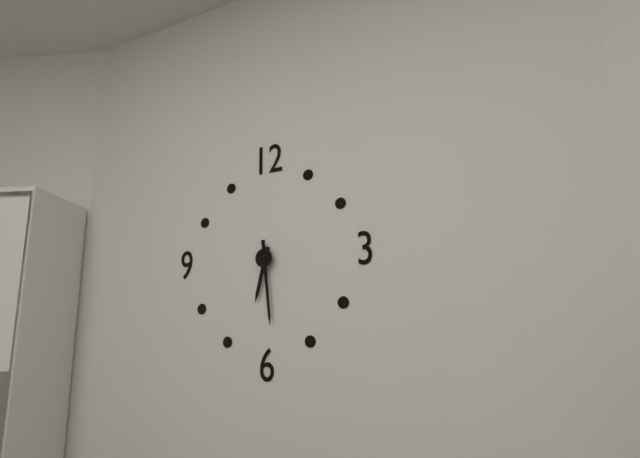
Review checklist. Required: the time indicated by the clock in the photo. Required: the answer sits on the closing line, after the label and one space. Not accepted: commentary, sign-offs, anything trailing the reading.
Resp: 6:29
